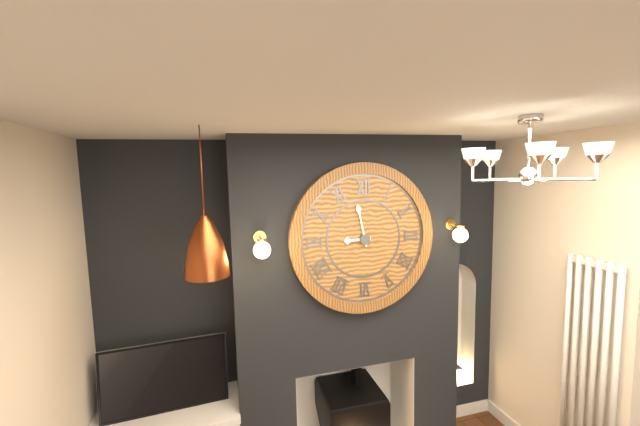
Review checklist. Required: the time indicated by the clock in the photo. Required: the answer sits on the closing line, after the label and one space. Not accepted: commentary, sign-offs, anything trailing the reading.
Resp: 8:58
